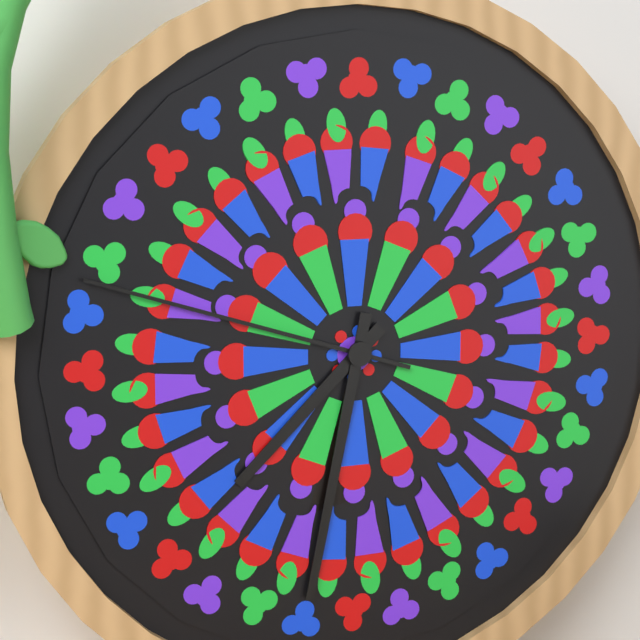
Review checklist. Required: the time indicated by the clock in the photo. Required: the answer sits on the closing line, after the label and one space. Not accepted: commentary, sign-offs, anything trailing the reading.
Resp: 7:32:48
